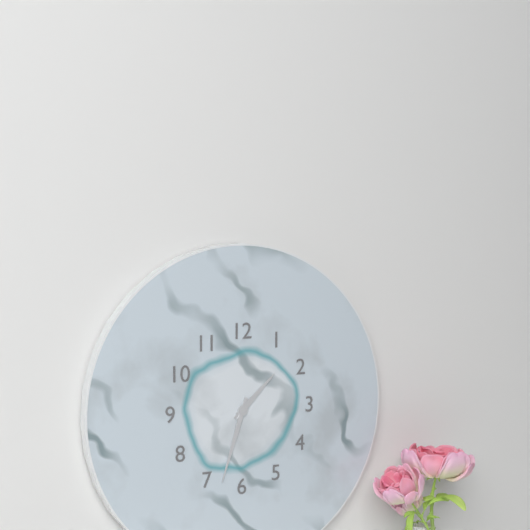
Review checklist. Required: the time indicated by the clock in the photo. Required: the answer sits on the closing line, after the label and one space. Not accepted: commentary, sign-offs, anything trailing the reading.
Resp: 1:33
